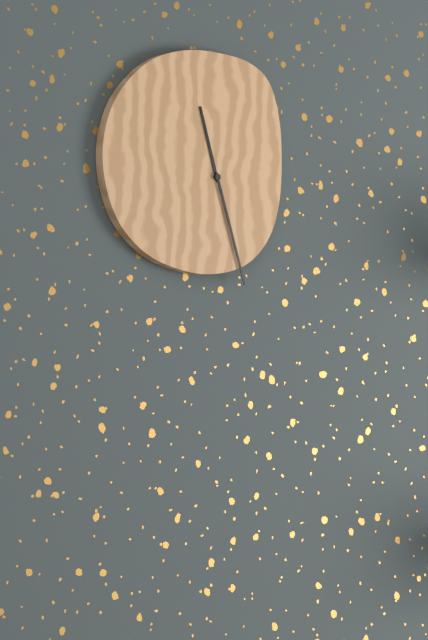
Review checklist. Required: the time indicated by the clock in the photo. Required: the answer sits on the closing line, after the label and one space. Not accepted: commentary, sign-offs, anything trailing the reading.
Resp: 11:27
